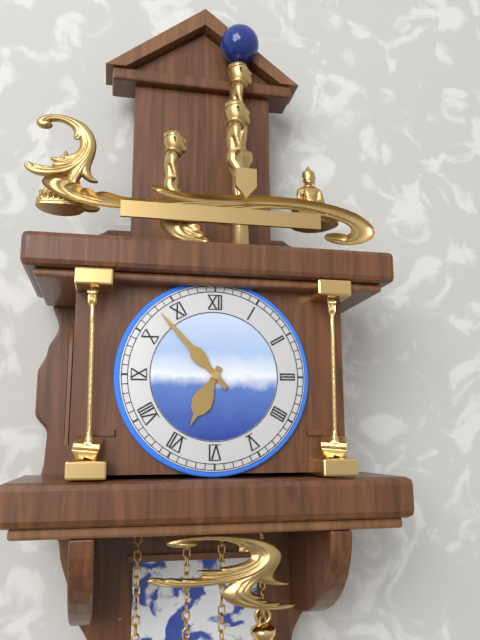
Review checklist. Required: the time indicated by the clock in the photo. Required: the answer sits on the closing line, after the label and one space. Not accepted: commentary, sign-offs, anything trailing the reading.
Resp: 6:53
